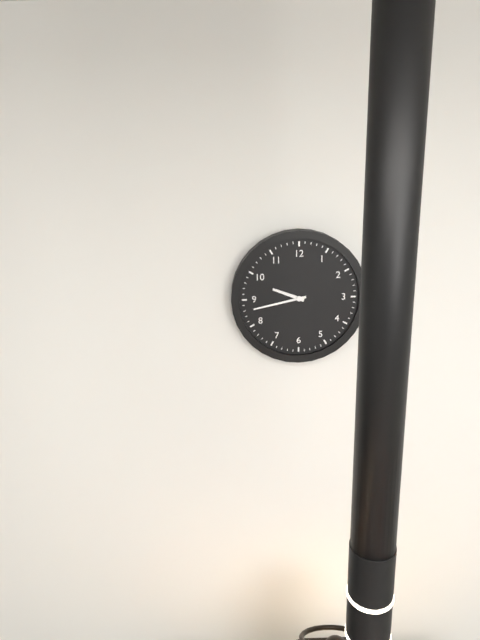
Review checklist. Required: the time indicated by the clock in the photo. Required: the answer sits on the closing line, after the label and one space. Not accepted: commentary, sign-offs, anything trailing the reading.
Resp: 9:43
